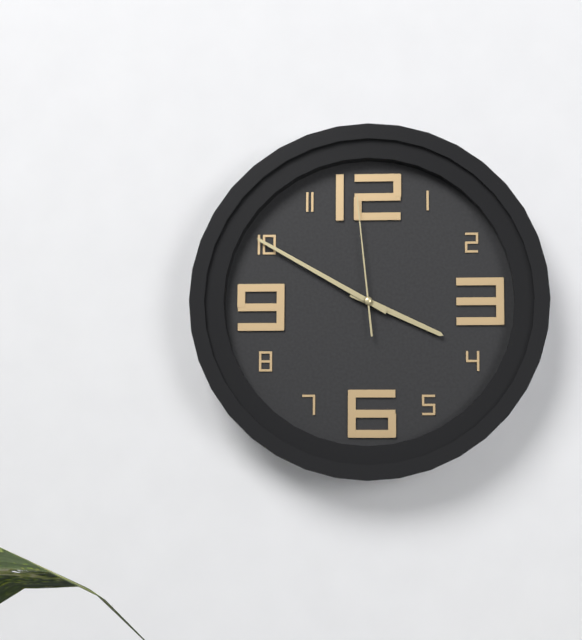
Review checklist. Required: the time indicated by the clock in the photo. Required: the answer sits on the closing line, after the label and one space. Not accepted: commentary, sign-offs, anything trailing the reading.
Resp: 3:50:59
